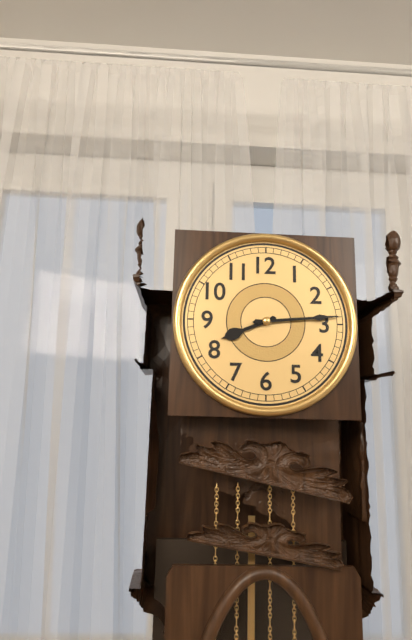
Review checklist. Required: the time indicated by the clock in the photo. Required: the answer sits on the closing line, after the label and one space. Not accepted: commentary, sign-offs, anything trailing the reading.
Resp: 8:14
